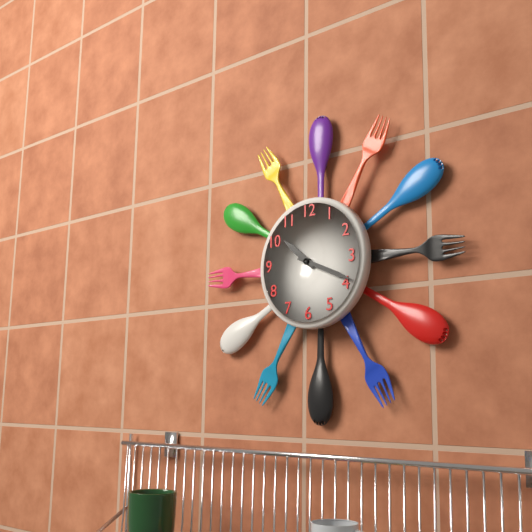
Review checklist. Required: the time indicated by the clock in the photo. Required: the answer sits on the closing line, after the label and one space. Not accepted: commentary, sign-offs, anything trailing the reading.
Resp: 10:19
